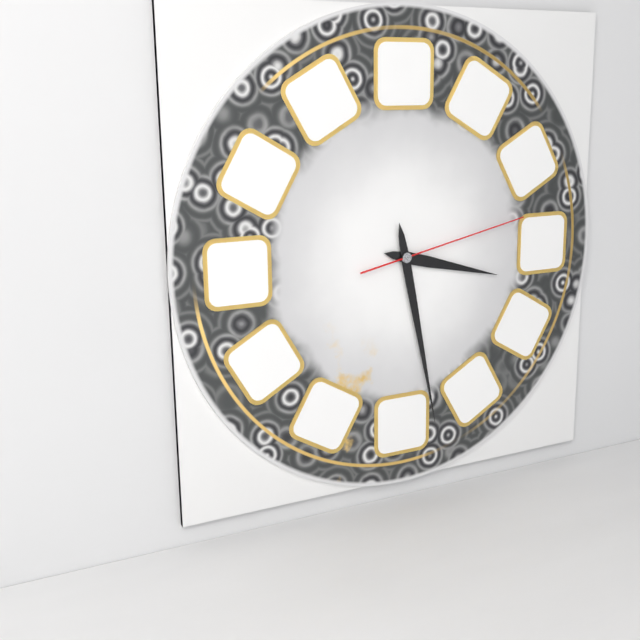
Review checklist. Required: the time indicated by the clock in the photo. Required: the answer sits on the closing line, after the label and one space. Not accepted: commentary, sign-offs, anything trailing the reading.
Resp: 3:28:13
